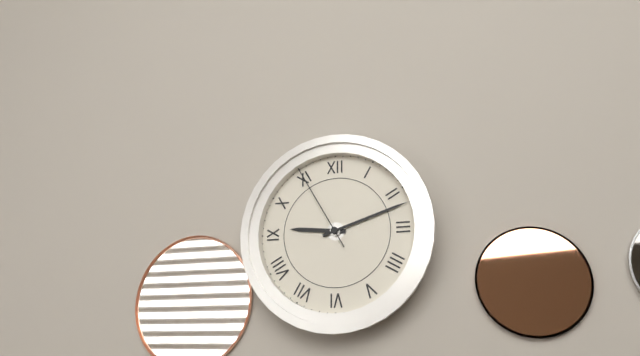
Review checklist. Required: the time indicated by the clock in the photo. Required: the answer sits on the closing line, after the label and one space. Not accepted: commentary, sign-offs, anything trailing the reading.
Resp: 9:12:55
